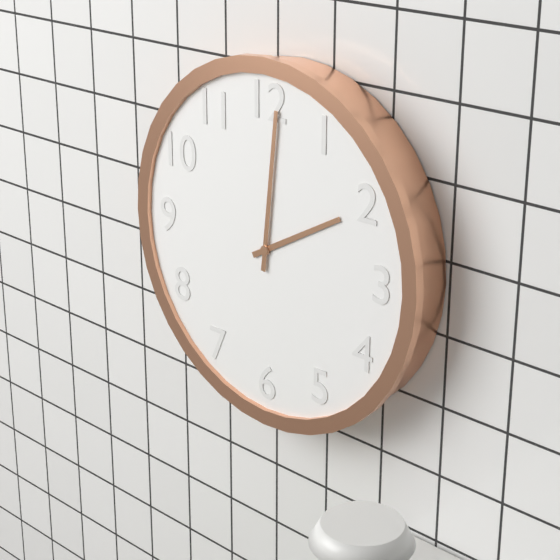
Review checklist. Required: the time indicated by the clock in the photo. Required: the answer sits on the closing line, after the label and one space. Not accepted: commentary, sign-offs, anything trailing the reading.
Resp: 2:01
